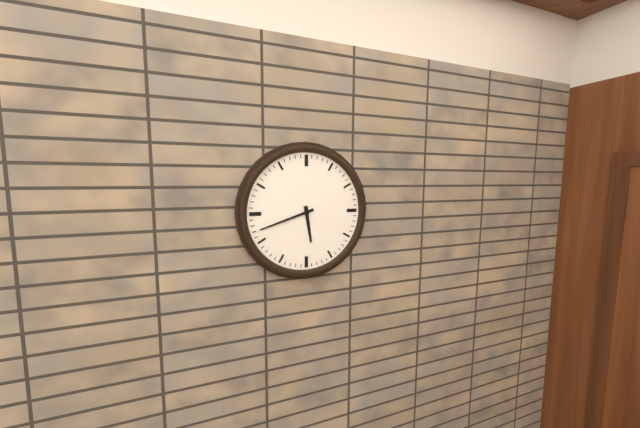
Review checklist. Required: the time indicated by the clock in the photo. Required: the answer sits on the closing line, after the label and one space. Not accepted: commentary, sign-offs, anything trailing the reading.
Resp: 5:42
